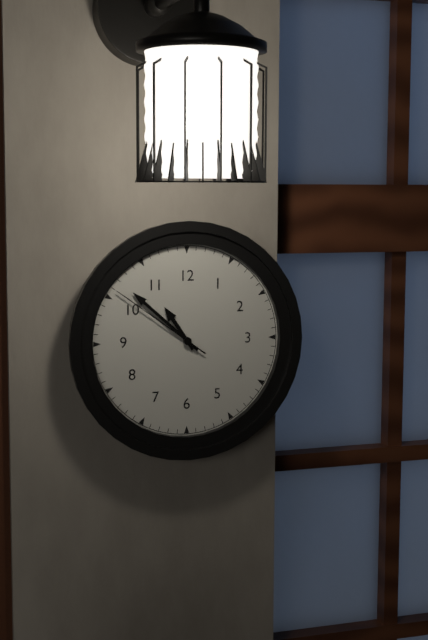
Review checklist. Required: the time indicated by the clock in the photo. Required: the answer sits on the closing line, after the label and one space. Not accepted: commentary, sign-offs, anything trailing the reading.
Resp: 10:52:51
